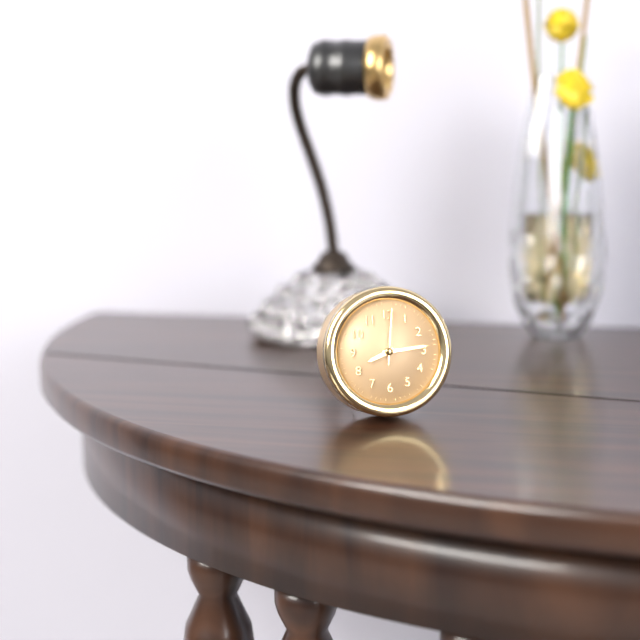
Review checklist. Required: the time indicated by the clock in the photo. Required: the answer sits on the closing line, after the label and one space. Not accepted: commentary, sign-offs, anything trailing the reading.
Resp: 8:14:01
